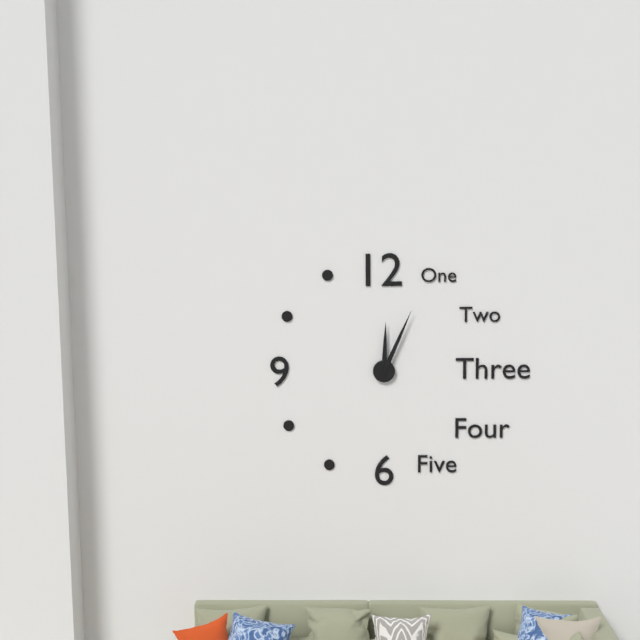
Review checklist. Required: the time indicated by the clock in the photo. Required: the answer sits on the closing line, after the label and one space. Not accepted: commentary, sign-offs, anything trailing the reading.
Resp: 12:04
